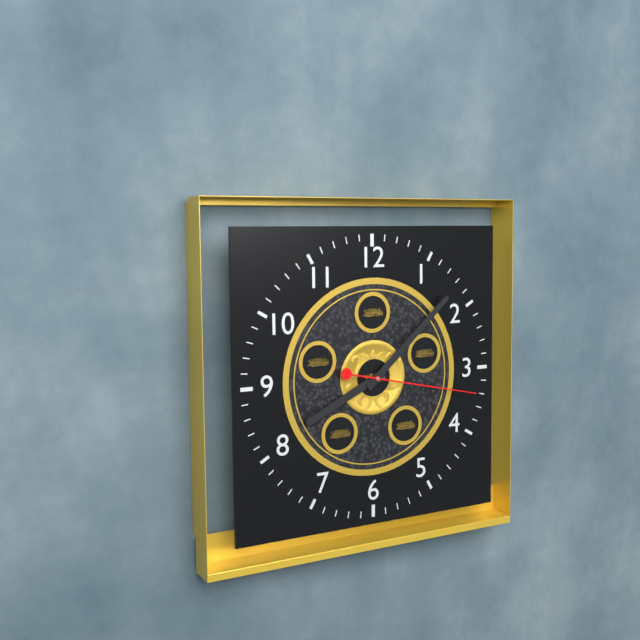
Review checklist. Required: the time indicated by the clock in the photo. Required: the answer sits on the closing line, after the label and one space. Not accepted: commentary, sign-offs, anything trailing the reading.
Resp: 8:08:17
